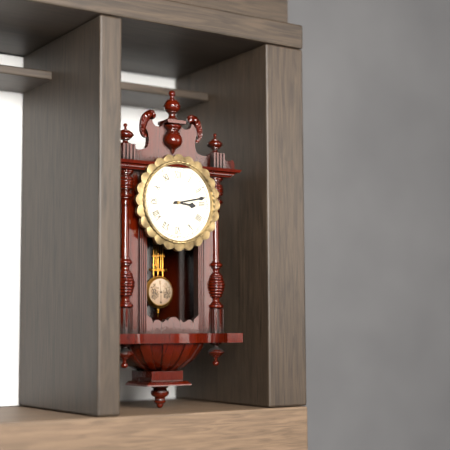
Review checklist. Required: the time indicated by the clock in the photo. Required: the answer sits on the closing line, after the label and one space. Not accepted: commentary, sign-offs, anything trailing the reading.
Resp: 3:13
